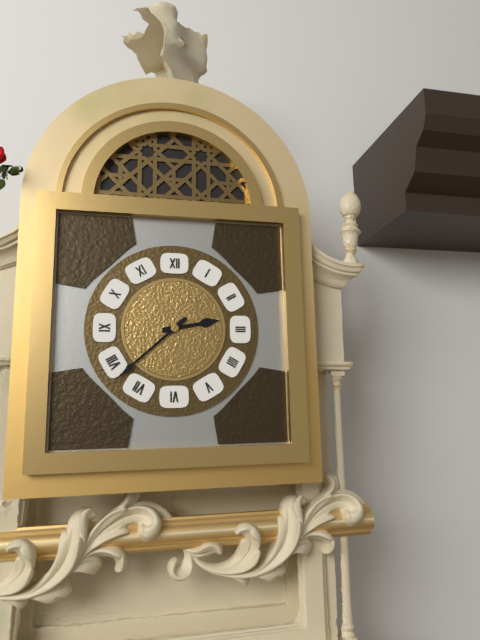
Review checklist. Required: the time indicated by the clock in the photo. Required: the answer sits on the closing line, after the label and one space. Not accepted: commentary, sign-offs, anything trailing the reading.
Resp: 2:38
